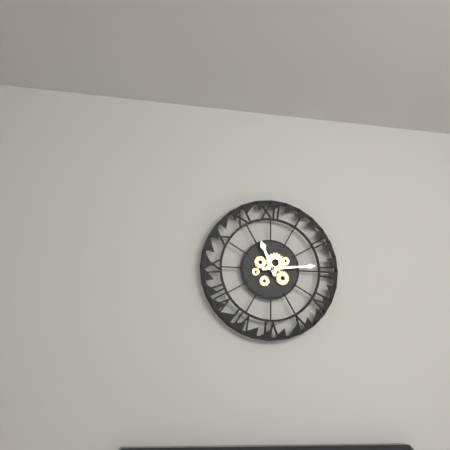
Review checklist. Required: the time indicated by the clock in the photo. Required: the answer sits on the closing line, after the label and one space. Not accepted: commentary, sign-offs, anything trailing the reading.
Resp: 11:14
